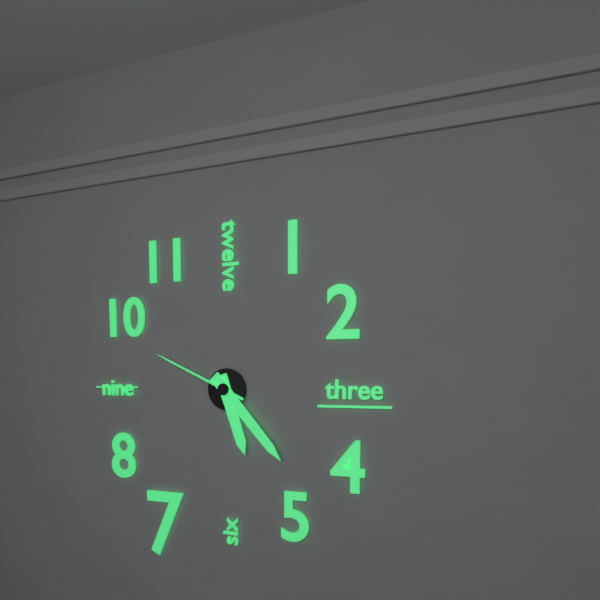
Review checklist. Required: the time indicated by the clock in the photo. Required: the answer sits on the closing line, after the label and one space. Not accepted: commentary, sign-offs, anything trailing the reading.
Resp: 5:23:49
